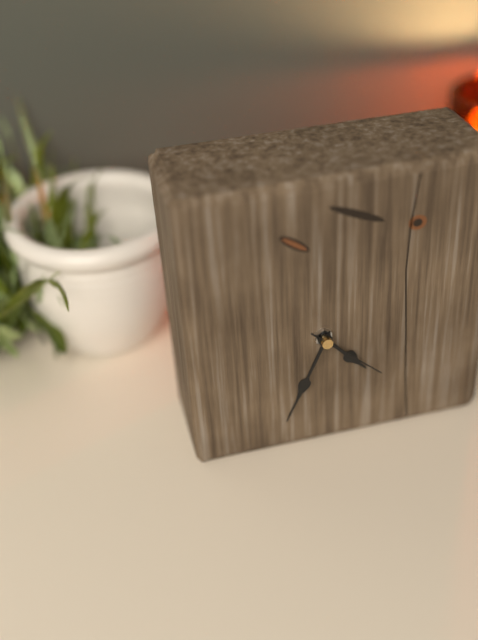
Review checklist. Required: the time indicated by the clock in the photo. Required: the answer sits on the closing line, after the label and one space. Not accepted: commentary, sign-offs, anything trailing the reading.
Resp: 4:34:22
